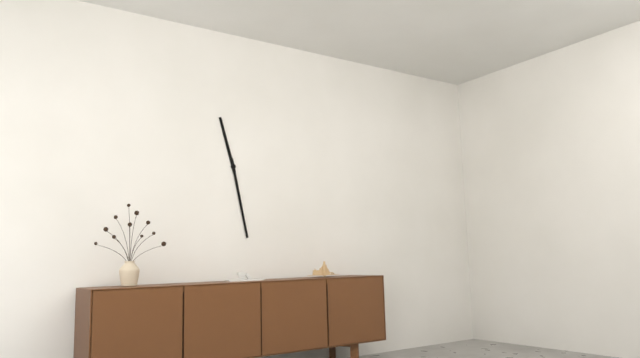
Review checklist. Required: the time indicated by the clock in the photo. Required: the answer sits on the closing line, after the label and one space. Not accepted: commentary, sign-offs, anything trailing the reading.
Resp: 11:28
